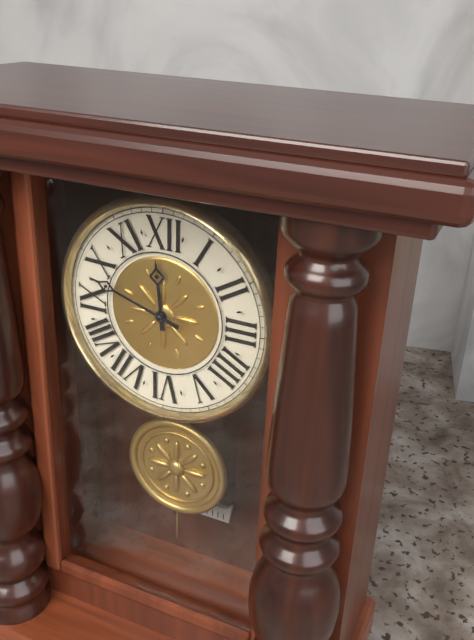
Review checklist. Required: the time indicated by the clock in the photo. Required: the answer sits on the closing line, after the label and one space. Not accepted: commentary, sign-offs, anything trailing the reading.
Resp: 11:48
